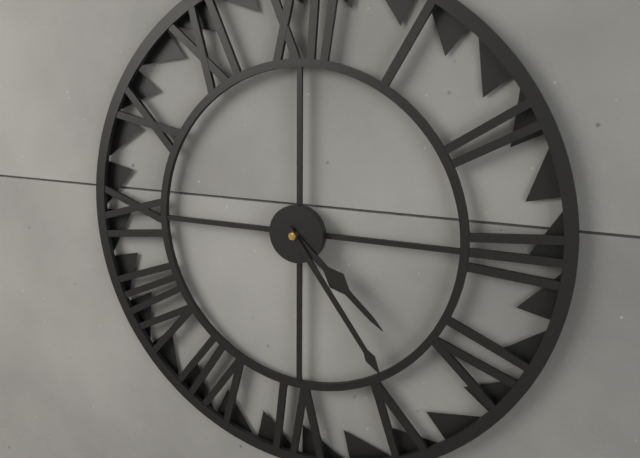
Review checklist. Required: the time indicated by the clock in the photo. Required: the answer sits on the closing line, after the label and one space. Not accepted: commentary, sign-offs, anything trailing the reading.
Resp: 4:24
